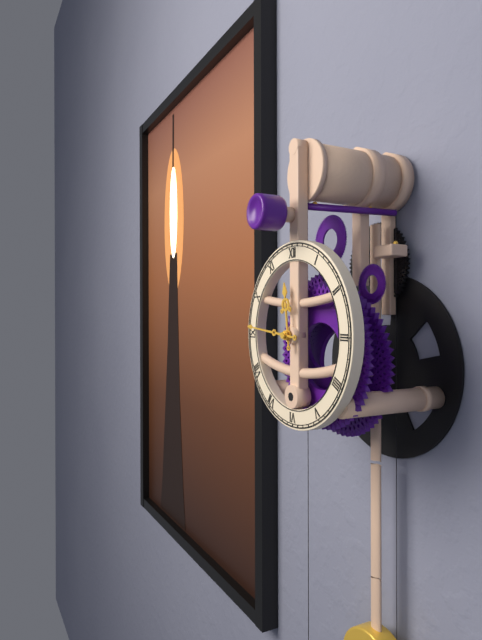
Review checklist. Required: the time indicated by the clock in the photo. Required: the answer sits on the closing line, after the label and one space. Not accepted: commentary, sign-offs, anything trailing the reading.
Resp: 11:46
